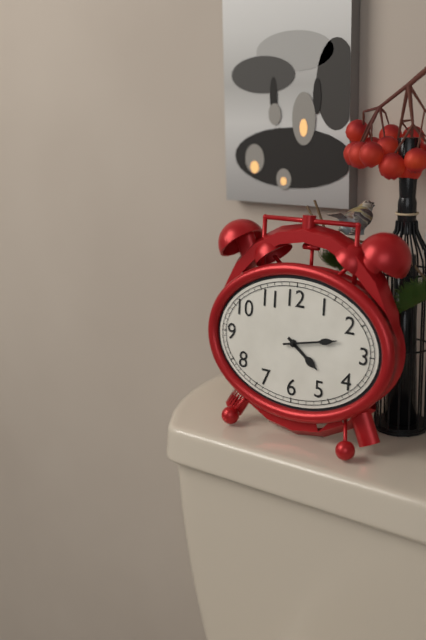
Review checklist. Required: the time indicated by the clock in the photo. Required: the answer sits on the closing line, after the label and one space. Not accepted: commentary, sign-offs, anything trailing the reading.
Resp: 4:13
